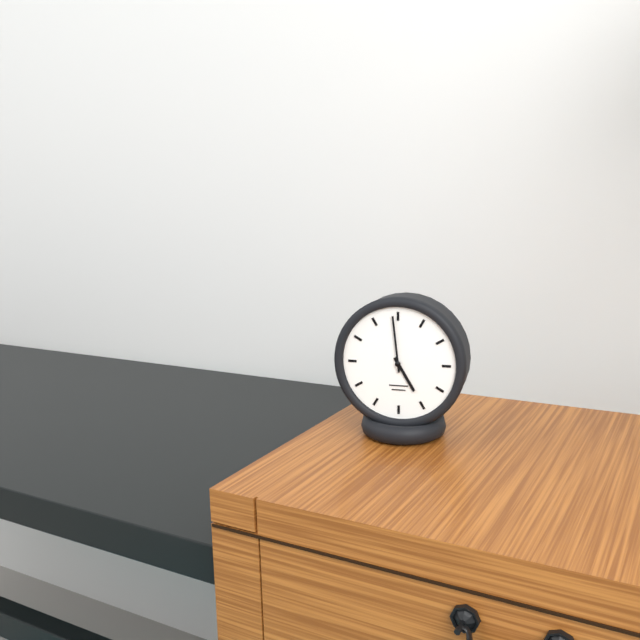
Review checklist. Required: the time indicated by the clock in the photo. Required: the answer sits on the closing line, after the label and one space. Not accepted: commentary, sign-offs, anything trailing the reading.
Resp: 4:59
